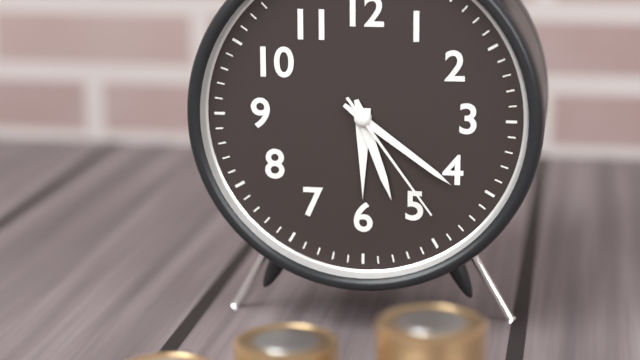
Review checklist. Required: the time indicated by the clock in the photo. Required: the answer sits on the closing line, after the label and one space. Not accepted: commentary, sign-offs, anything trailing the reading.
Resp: 5:21:24
